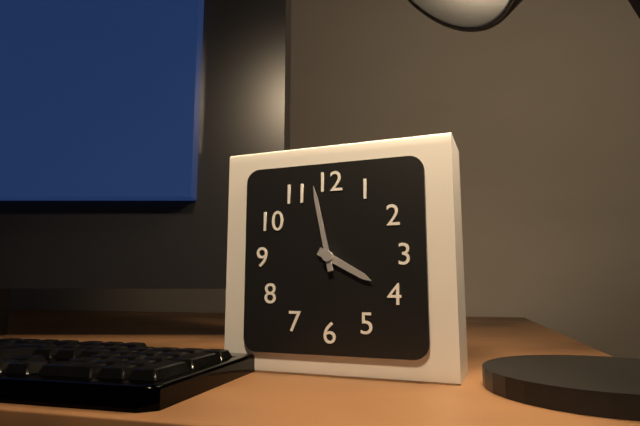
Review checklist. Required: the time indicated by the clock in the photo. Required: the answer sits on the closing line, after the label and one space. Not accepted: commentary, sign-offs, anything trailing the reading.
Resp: 3:58
